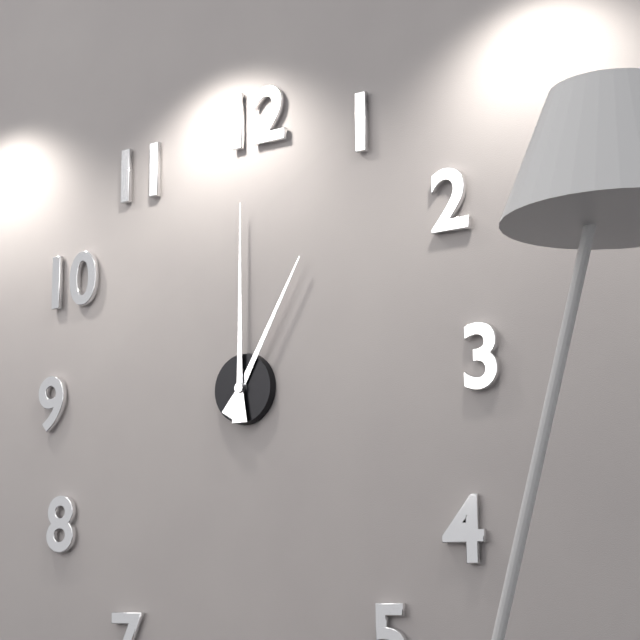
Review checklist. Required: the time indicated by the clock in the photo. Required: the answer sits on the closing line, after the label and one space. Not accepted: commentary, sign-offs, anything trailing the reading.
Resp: 1:00
